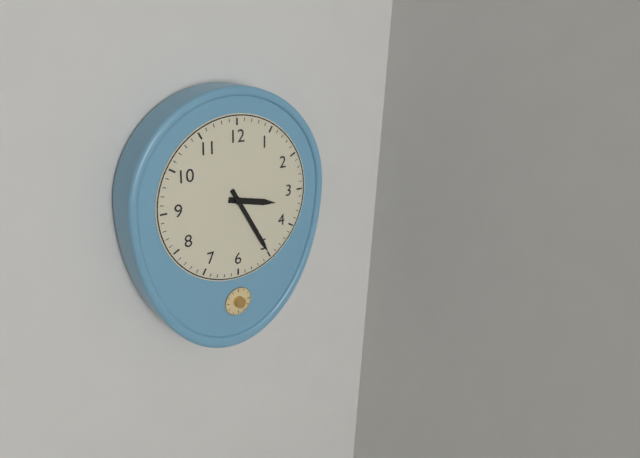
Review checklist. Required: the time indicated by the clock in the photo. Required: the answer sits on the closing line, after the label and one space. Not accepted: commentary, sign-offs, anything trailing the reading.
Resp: 3:25
